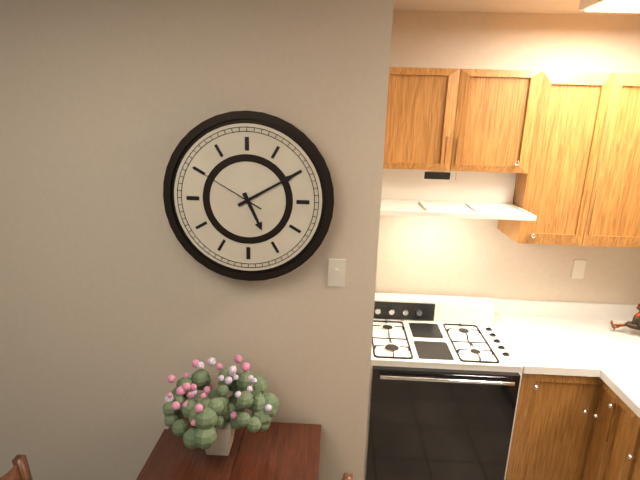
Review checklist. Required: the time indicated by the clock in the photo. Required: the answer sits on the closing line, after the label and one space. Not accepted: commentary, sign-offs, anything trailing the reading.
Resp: 5:10:50
